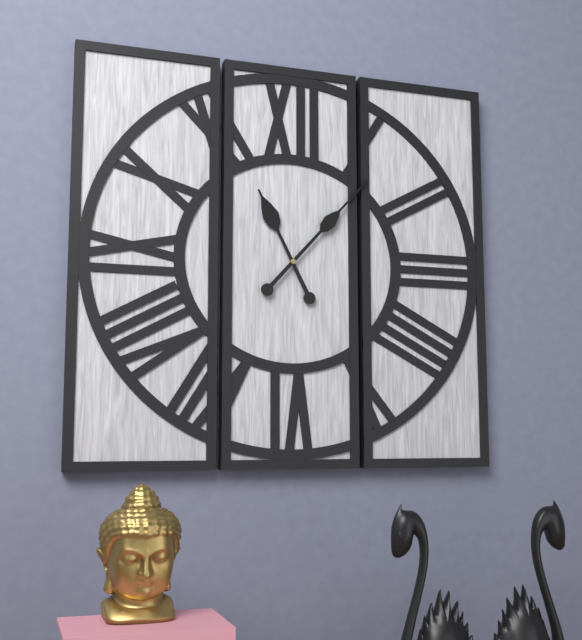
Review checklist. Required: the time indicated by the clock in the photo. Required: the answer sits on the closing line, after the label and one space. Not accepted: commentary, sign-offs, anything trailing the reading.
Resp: 11:07
